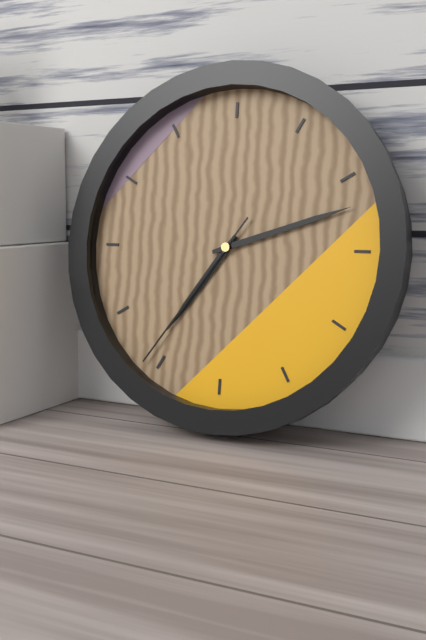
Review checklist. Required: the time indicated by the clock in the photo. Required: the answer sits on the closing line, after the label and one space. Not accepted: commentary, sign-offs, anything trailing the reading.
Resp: 7:12:36
